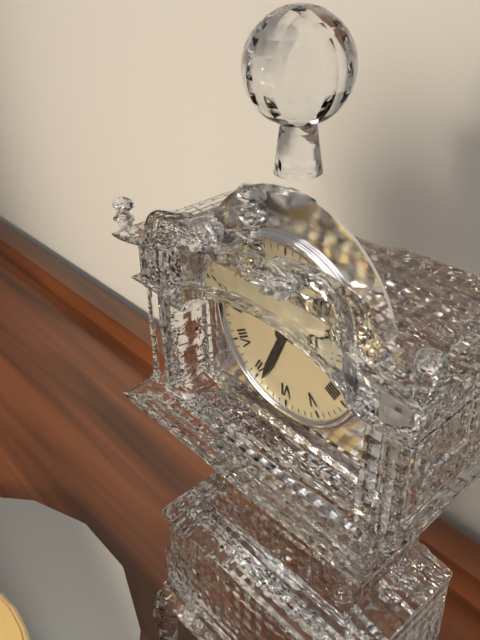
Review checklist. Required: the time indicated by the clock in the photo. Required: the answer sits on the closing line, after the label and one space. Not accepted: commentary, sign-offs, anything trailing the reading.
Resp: 9:34
